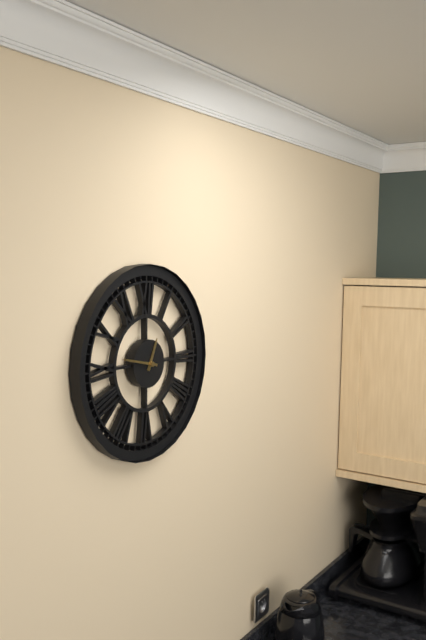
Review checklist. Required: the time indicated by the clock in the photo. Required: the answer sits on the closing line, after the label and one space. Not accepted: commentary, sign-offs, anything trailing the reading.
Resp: 12:47
